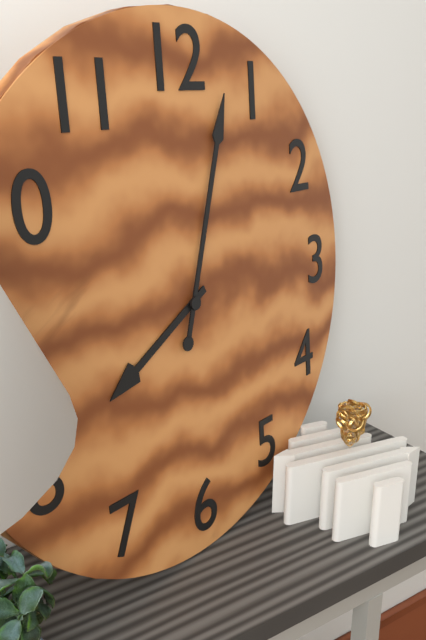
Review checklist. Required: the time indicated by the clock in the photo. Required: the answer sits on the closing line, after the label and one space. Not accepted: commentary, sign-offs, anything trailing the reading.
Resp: 8:03
